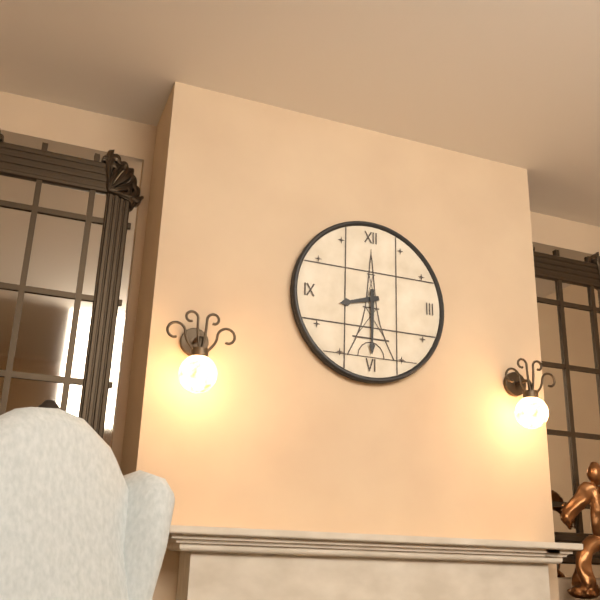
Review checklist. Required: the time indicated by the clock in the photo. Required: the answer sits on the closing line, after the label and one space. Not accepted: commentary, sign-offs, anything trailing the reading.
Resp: 8:30
